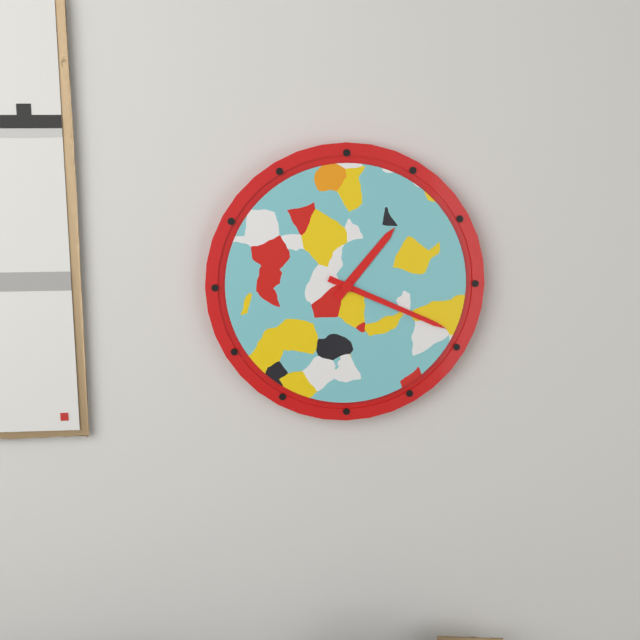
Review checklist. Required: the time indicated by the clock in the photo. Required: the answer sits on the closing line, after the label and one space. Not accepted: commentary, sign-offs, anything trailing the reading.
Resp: 1:19
